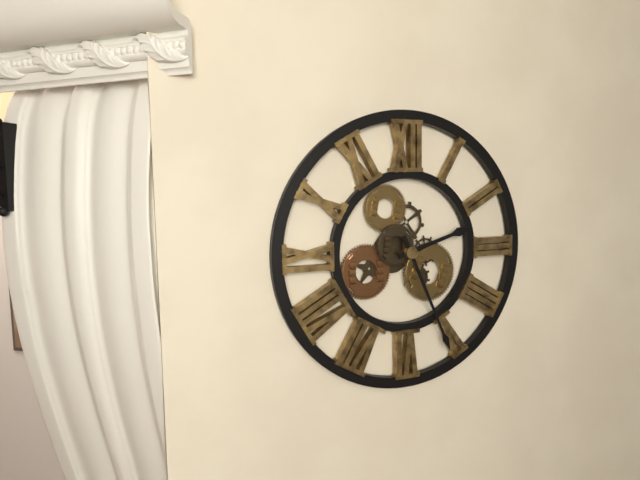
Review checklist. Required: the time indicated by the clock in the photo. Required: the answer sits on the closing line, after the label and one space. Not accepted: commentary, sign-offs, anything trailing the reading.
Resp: 2:26
